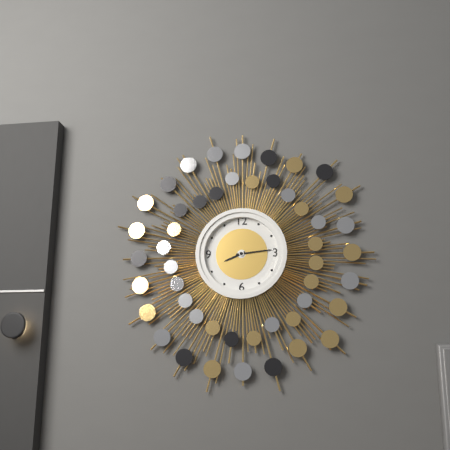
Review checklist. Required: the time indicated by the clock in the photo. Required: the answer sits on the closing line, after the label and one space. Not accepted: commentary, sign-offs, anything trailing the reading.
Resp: 8:14
